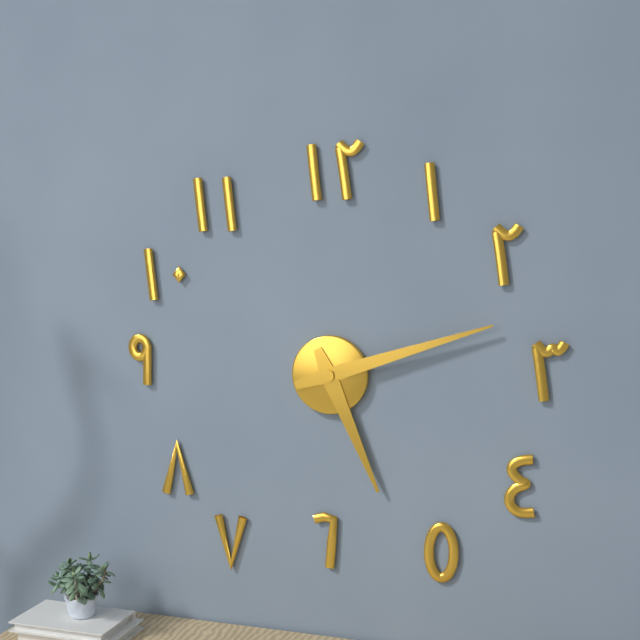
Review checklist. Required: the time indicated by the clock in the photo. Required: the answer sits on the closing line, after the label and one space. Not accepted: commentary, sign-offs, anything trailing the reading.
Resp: 5:12
